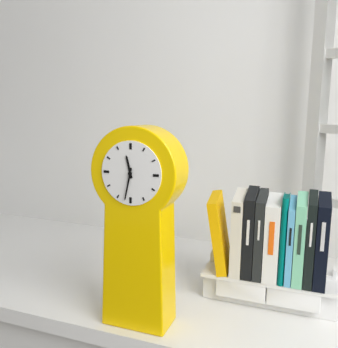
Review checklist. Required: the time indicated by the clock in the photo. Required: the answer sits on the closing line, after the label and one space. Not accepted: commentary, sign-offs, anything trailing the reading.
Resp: 11:32
